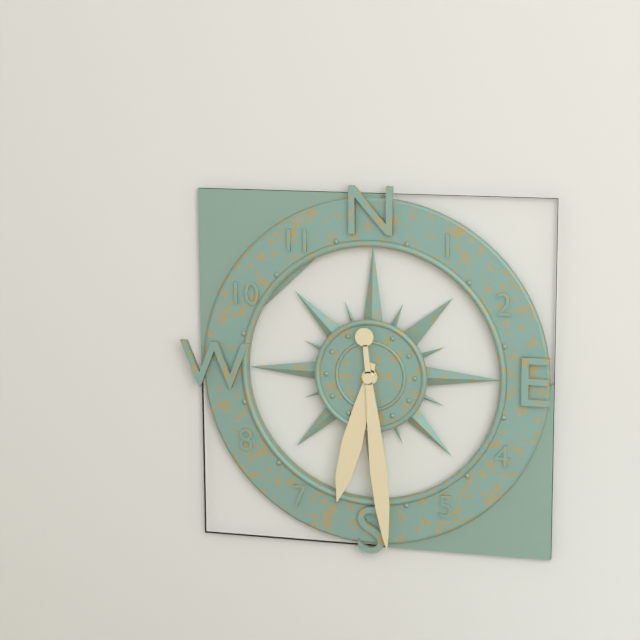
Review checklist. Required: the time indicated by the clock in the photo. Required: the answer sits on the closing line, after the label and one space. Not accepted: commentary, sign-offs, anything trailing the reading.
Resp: 6:29
